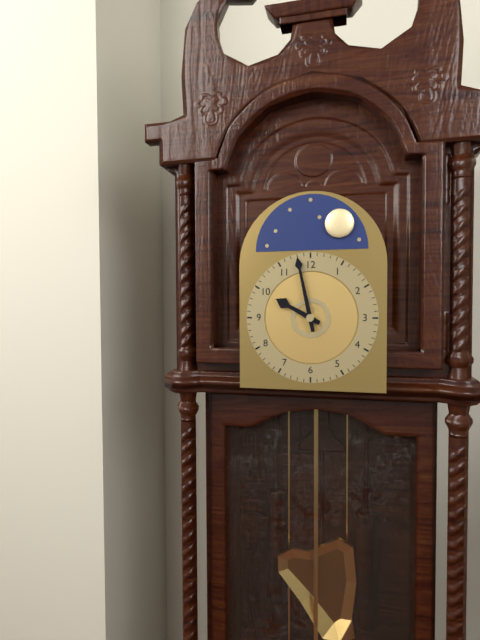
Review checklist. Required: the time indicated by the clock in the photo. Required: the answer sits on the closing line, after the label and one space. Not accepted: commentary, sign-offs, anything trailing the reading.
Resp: 9:58
